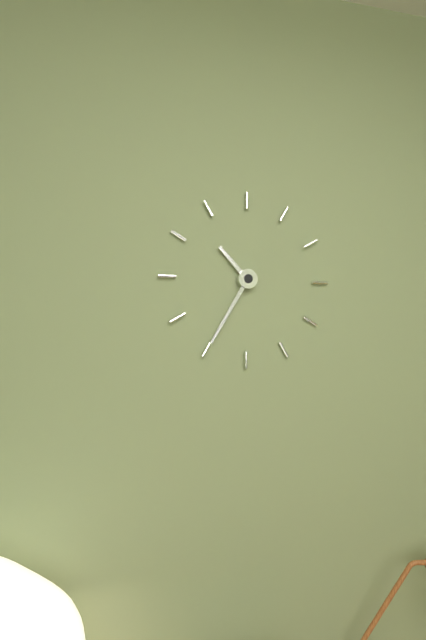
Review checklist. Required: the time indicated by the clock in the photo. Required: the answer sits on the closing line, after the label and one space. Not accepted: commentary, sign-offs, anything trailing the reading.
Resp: 10:35
